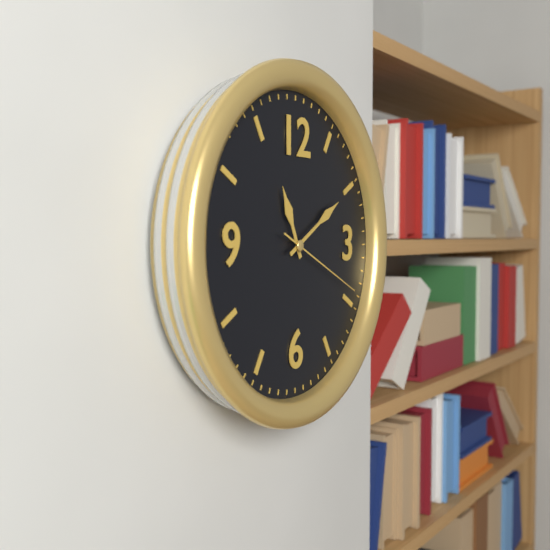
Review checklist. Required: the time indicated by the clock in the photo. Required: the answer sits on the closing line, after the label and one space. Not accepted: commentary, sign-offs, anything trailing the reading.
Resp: 11:10:19
